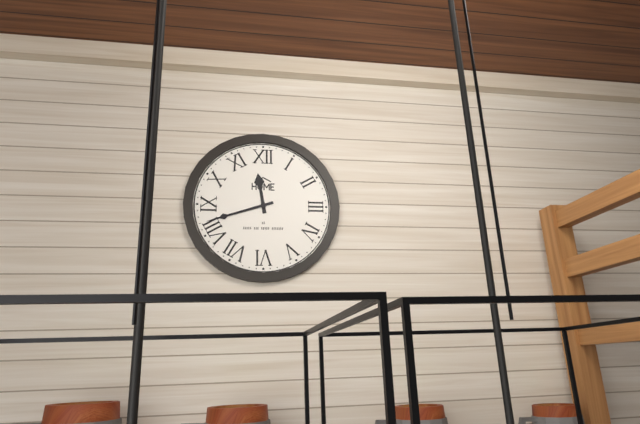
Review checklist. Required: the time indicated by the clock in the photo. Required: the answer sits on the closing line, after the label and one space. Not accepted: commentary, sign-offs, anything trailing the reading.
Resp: 11:42
